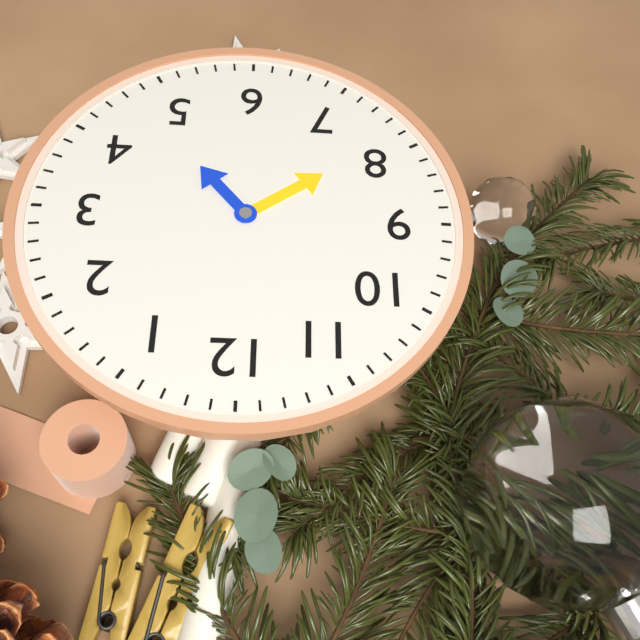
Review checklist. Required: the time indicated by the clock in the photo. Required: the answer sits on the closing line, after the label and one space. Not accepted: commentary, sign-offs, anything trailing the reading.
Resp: 4:39
